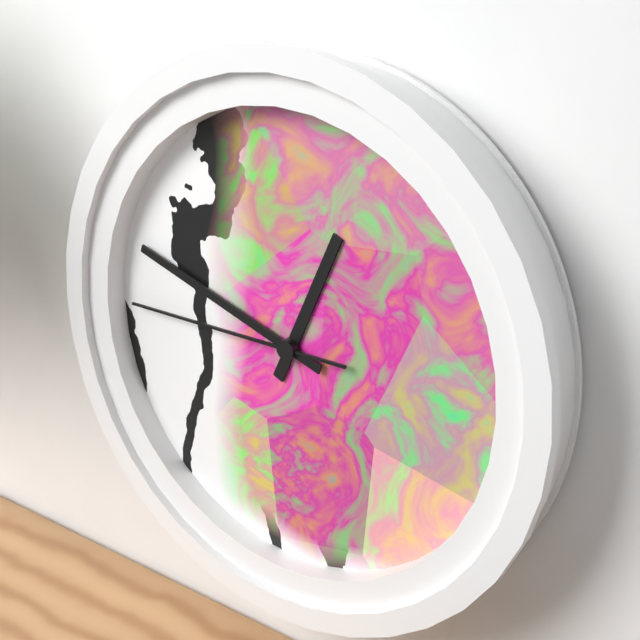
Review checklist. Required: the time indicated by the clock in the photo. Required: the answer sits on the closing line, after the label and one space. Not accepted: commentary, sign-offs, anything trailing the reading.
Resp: 12:48:45
